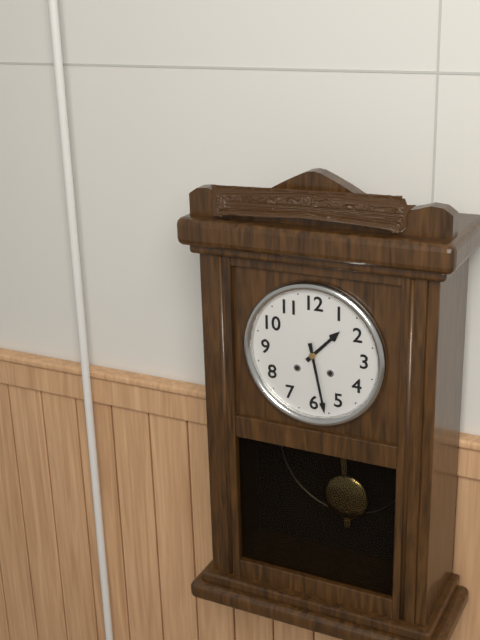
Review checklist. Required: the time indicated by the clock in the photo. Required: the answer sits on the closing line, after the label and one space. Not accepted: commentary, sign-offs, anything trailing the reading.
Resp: 1:28
